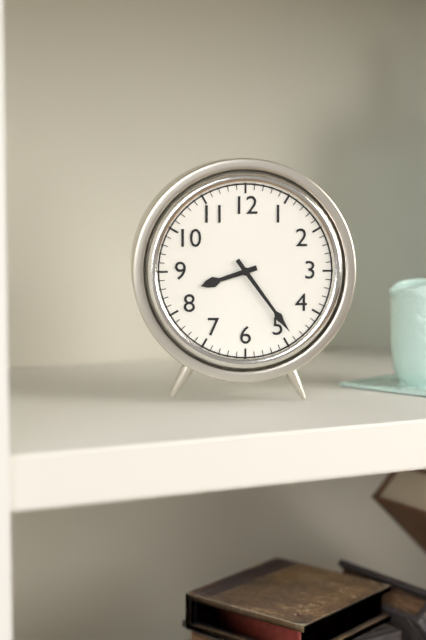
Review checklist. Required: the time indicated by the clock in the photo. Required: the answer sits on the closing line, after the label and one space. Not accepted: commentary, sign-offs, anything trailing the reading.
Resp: 8:24
